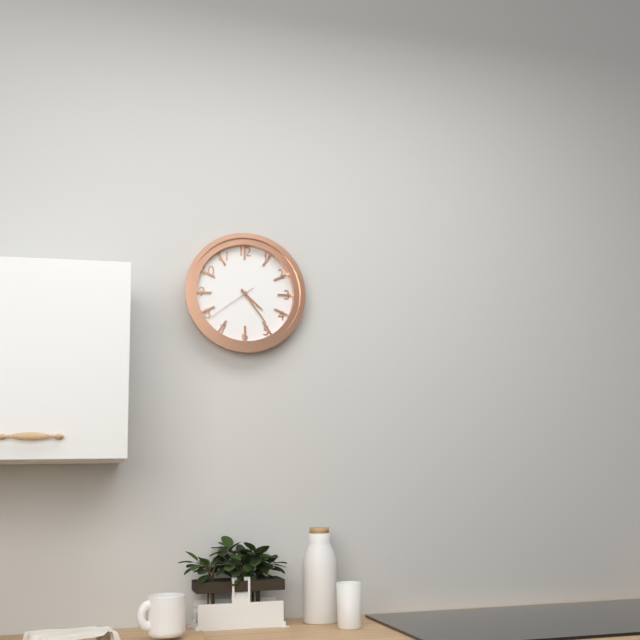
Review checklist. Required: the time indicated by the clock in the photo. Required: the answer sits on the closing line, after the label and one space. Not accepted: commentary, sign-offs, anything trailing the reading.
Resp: 4:24:39
